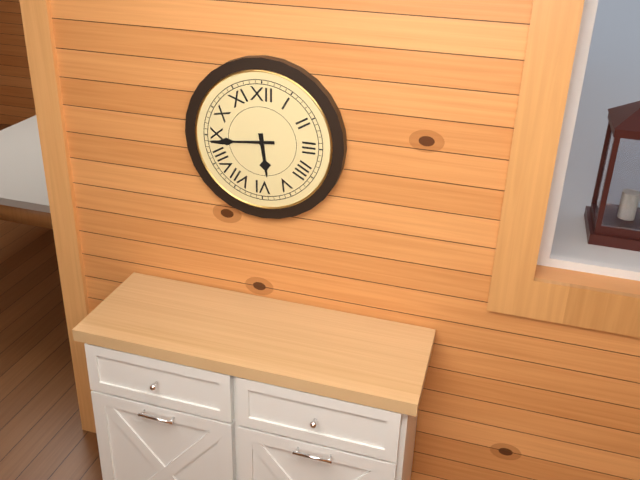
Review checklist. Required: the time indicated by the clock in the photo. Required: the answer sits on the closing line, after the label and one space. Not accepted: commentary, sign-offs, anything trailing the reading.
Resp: 5:44
